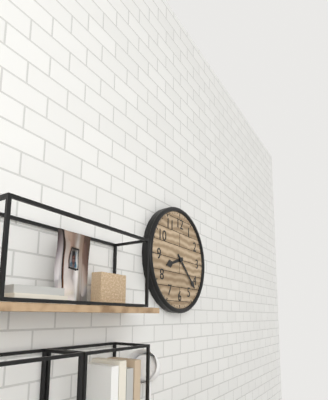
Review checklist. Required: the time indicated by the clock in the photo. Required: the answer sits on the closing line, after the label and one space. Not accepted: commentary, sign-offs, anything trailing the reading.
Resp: 8:22
